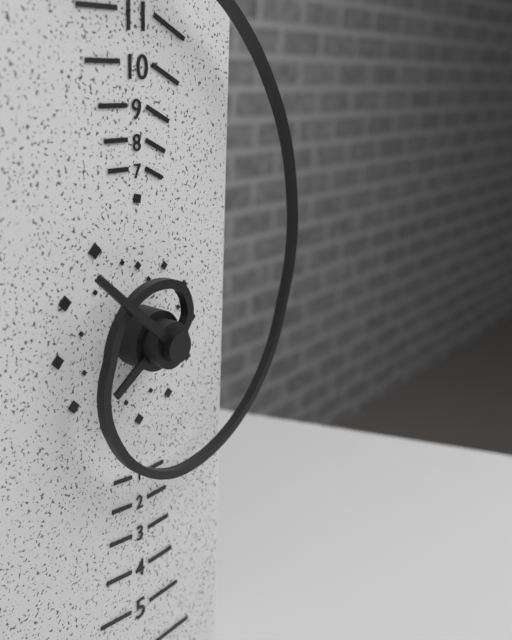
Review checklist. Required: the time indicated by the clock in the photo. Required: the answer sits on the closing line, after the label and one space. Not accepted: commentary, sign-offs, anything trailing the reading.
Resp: 7:52
